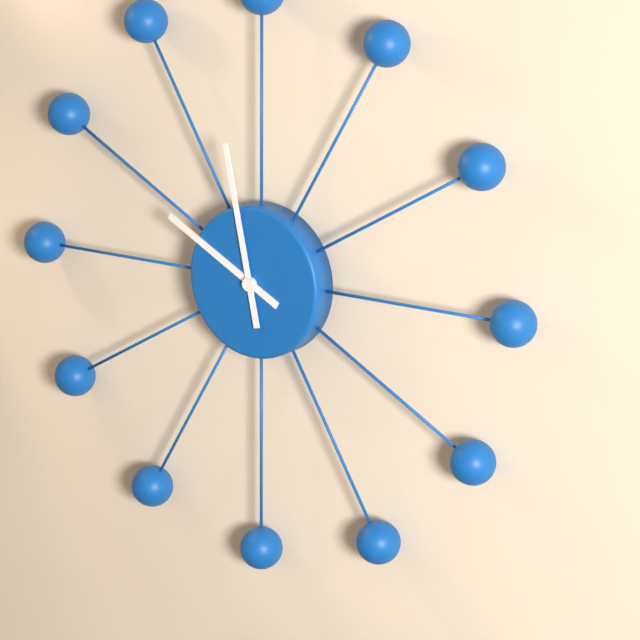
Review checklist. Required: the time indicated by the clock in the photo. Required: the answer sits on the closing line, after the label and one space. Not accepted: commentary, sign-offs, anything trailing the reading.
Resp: 9:58
